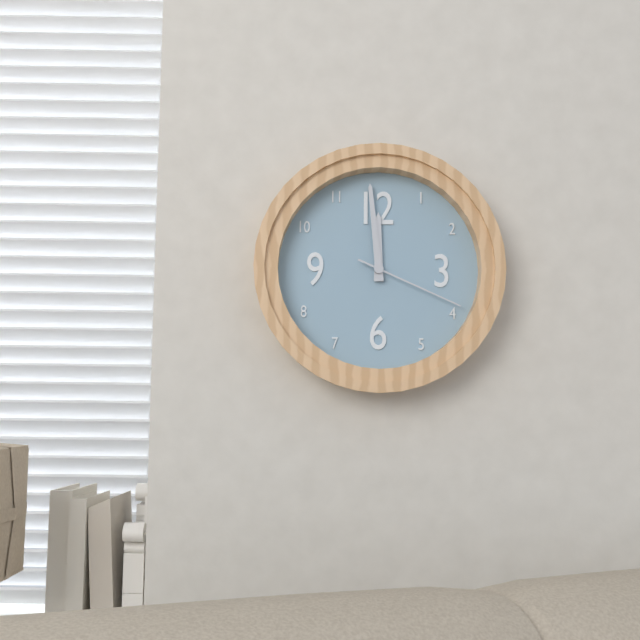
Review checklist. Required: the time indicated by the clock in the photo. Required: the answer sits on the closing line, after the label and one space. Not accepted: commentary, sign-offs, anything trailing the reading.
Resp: 11:59:19
